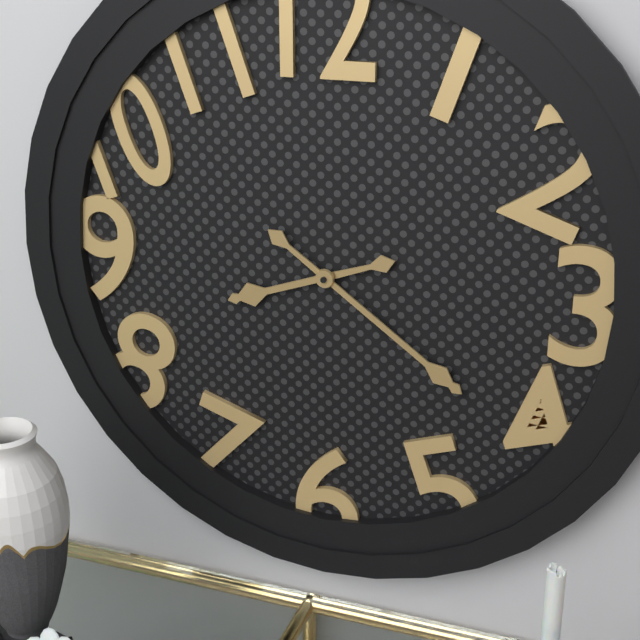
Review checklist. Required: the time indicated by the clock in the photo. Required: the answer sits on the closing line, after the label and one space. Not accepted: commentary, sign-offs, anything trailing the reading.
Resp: 8:21
